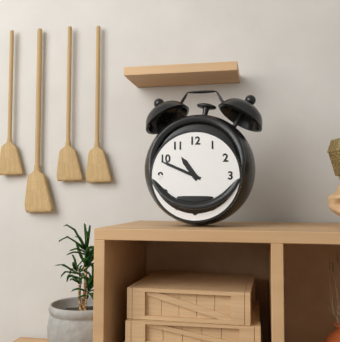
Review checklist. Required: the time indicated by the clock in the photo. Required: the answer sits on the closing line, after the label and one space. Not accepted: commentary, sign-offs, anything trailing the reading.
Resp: 10:49
